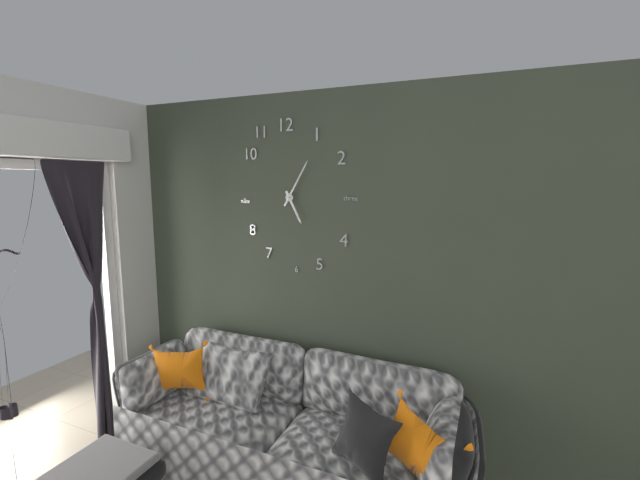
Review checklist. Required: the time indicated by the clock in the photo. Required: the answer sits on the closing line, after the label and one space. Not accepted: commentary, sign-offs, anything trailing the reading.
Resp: 5:05
